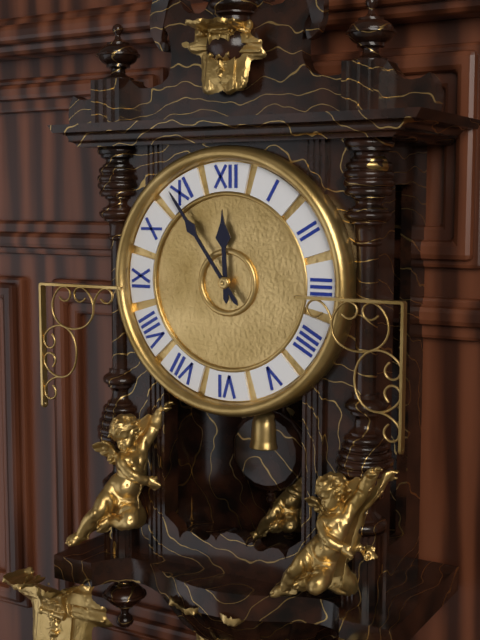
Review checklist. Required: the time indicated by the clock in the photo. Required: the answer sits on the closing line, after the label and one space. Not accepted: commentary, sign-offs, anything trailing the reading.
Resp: 11:54
